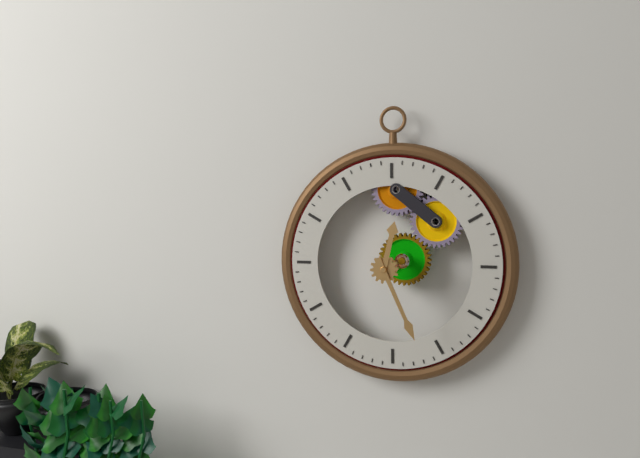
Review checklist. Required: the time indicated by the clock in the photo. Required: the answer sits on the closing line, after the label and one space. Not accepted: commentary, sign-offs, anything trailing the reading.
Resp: 12:26
